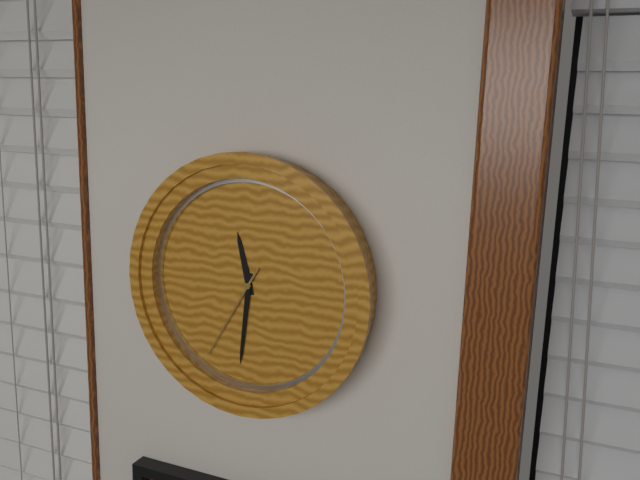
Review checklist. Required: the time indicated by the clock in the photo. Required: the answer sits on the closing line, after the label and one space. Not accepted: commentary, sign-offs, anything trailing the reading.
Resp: 11:31:35
